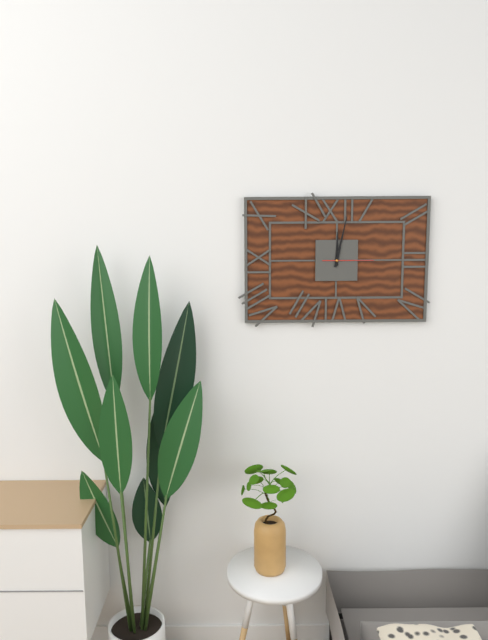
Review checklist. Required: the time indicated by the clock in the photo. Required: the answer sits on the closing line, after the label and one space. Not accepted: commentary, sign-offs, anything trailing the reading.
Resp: 12:02
